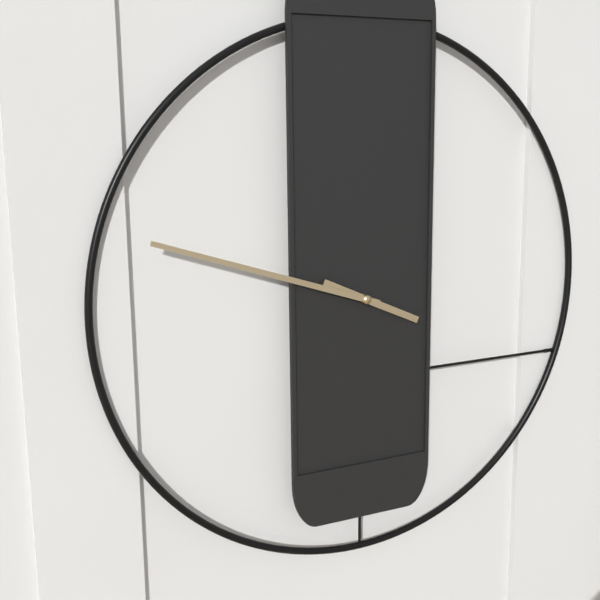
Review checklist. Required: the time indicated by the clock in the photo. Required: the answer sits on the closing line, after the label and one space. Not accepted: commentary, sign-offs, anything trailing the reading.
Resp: 3:48
